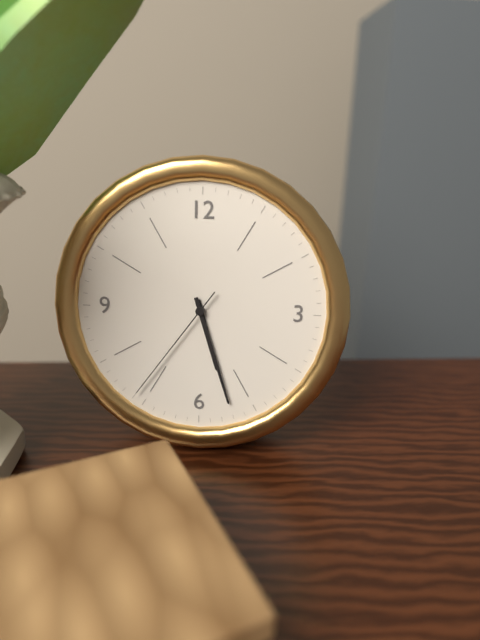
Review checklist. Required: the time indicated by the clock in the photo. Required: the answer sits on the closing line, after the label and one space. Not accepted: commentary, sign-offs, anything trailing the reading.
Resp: 5:27:36
